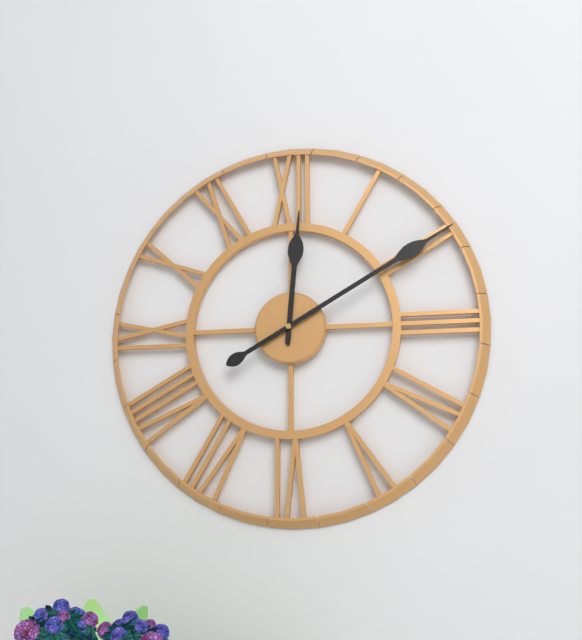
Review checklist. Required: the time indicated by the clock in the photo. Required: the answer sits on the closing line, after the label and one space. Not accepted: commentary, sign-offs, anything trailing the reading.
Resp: 12:10
